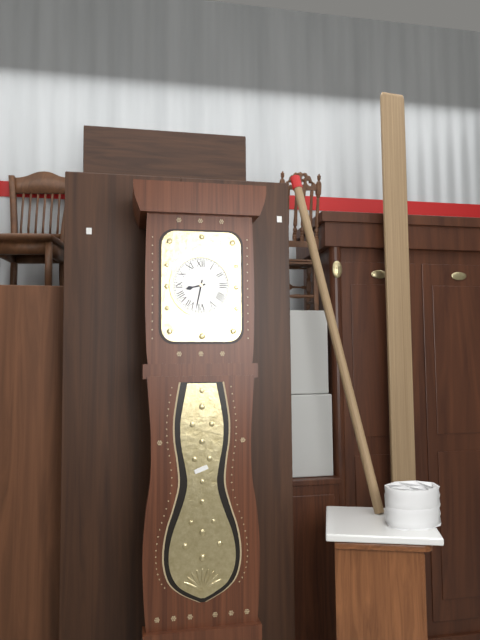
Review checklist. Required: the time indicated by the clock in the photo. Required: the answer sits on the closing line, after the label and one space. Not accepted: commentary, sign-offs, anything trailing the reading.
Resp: 8:32
